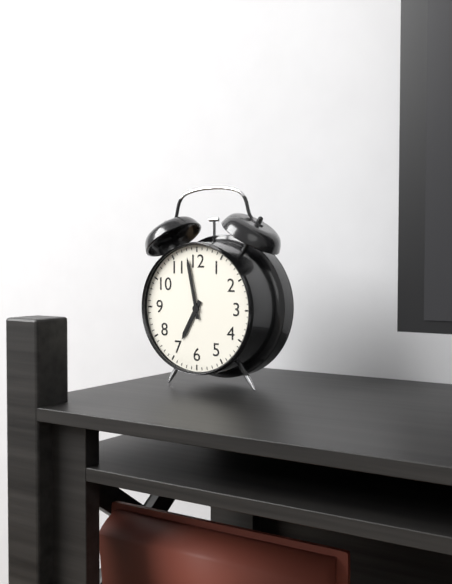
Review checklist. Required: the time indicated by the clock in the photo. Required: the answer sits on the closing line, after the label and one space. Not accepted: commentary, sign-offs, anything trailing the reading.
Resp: 6:58
